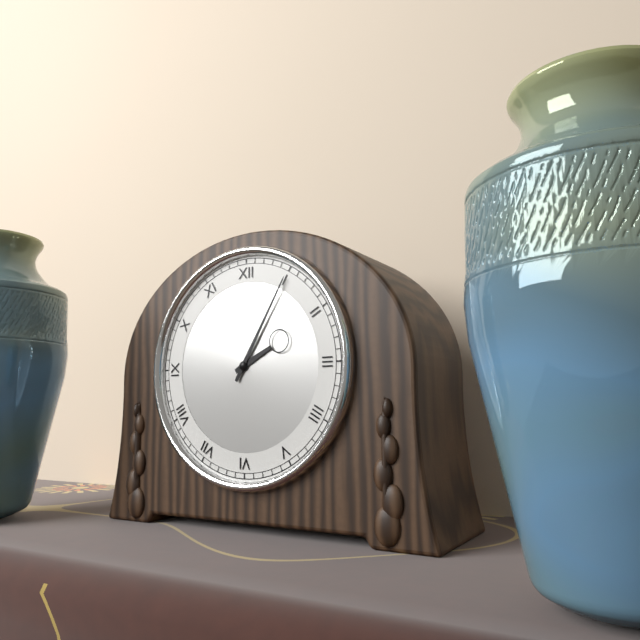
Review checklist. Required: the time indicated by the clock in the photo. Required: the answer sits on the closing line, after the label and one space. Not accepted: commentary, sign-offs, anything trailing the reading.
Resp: 2:05
